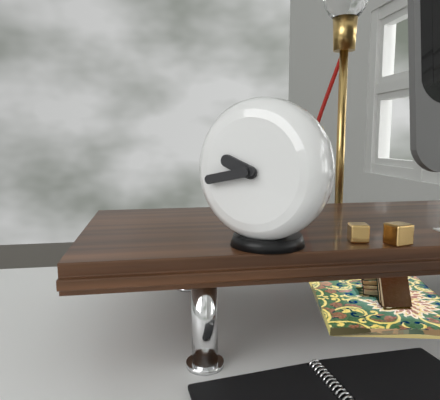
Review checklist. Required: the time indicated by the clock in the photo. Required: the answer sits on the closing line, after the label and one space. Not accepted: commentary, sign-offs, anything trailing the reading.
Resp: 9:43
